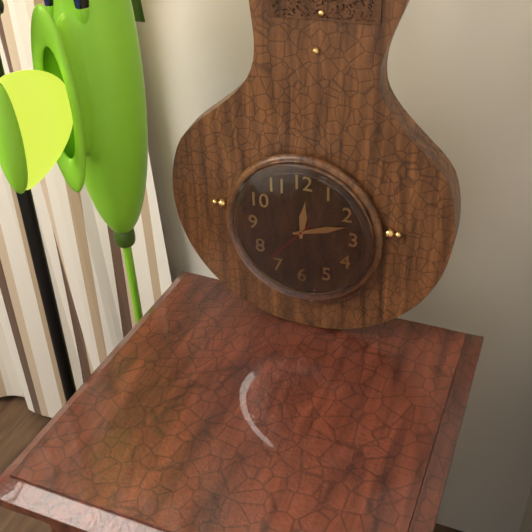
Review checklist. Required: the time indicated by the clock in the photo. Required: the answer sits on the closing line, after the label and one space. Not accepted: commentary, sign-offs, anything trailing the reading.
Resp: 12:12:37
